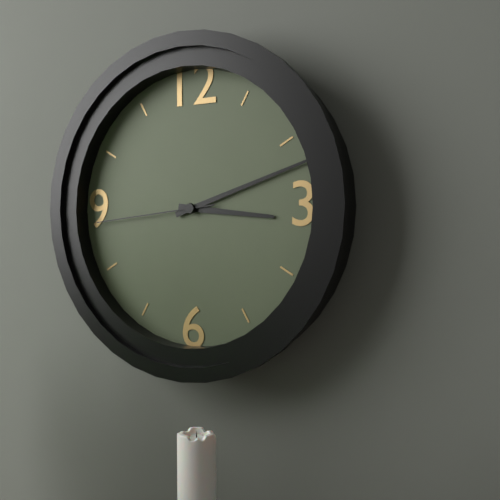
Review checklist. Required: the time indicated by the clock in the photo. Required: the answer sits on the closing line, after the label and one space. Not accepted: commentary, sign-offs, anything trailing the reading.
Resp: 3:12:44
